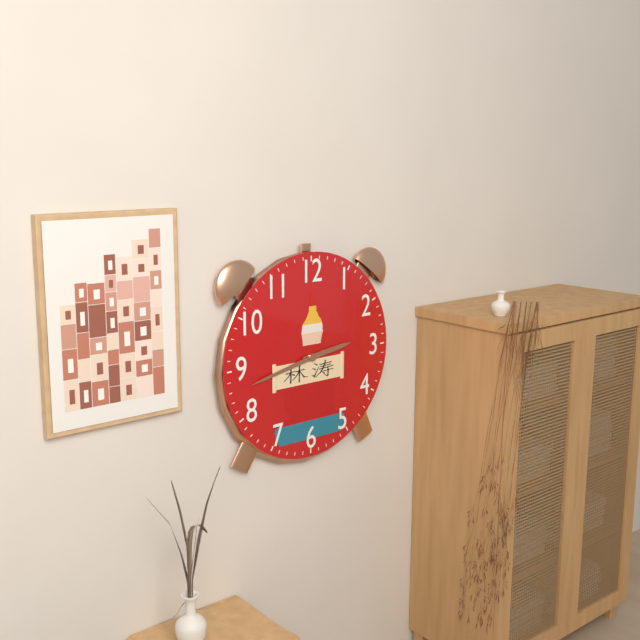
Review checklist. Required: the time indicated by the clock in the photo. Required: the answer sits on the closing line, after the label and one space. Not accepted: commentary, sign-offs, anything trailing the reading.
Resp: 2:43
